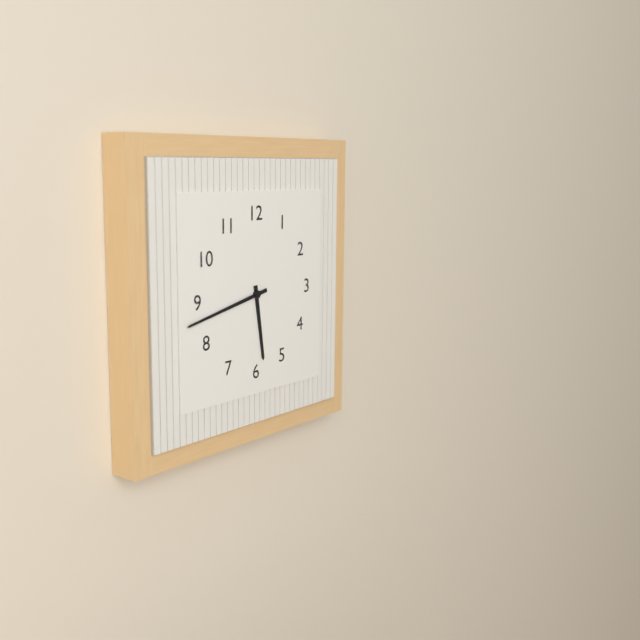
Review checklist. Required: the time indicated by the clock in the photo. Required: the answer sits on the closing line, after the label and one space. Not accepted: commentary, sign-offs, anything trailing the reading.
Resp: 5:43
